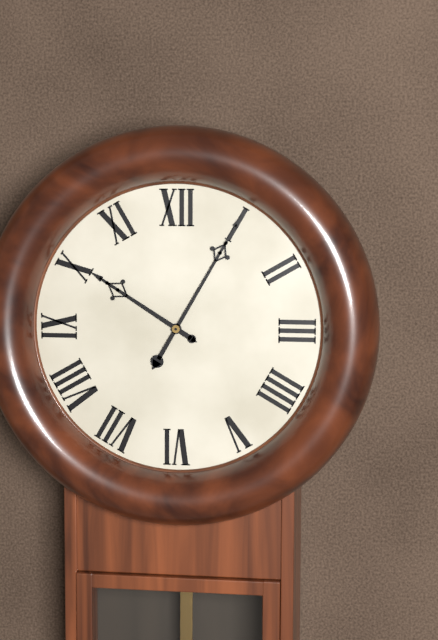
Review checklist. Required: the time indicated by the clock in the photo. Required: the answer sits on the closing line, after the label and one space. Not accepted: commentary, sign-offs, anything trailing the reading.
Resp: 10:05
